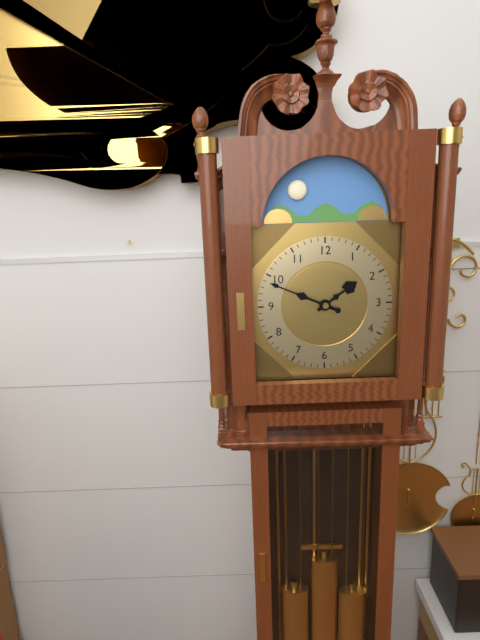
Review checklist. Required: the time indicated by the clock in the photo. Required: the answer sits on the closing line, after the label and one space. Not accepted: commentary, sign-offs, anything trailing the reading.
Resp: 1:49
